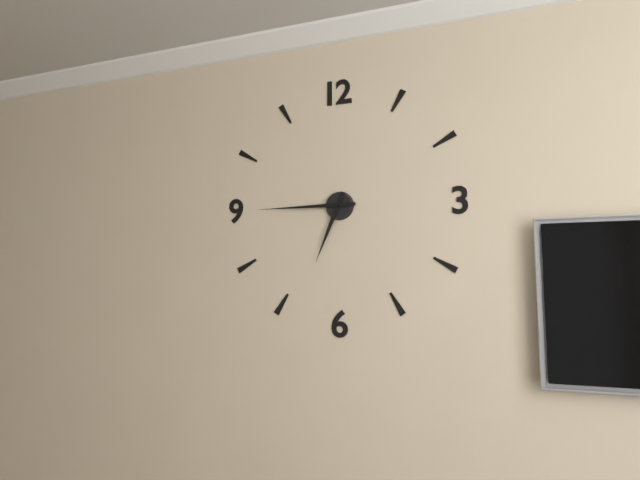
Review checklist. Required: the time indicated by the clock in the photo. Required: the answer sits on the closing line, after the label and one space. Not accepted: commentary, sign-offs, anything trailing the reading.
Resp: 6:45
